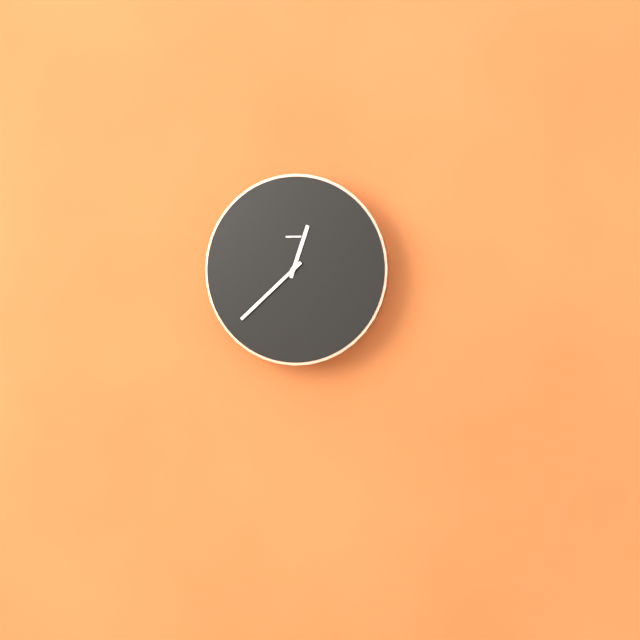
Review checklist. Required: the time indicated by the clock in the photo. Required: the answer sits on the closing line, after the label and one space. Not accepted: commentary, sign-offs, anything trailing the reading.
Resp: 12:38
